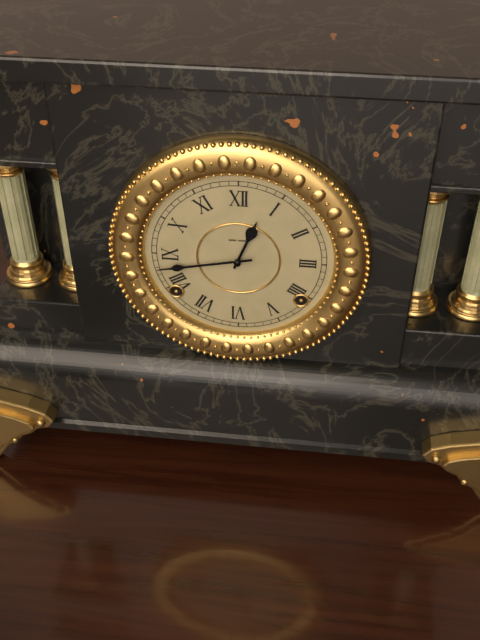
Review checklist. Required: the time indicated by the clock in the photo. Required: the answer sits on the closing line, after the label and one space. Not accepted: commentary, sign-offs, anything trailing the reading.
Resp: 12:43
